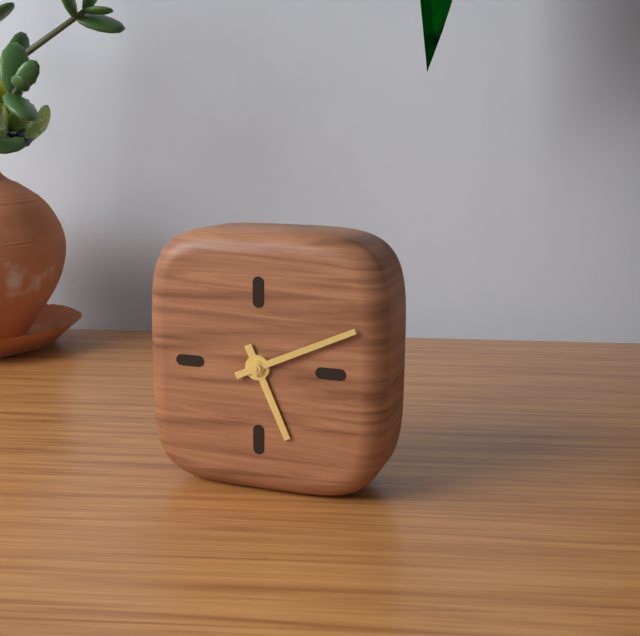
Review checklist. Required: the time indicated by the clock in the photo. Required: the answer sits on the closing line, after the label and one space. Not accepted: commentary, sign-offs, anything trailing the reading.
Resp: 5:11
